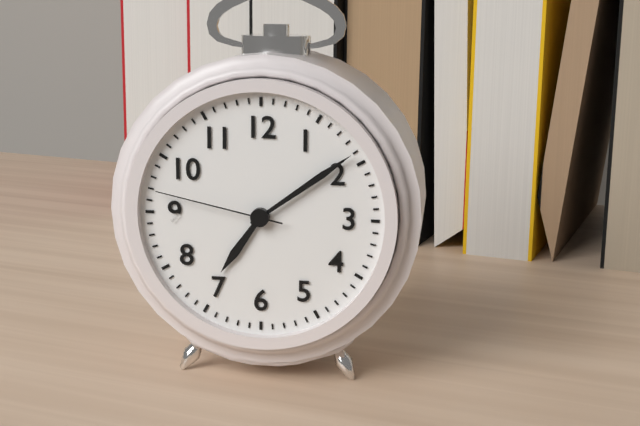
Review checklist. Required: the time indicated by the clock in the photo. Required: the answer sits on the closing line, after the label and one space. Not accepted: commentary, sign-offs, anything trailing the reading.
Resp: 7:09:47
